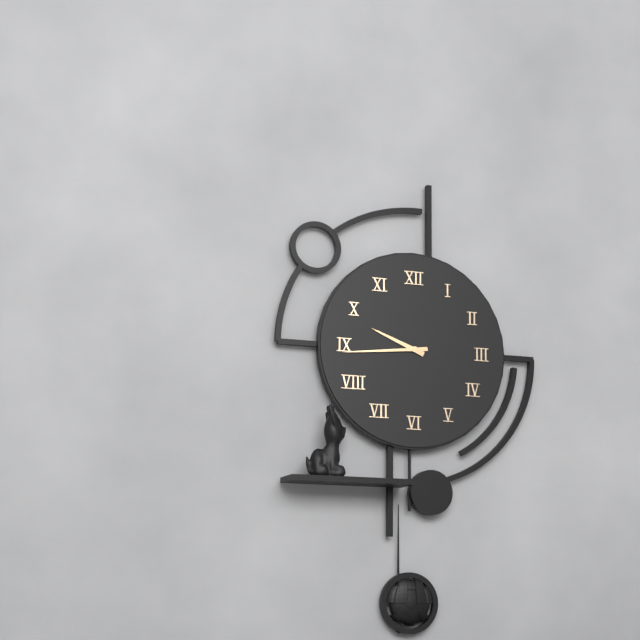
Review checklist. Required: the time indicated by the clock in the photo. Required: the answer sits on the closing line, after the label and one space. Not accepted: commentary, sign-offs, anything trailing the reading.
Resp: 9:44
